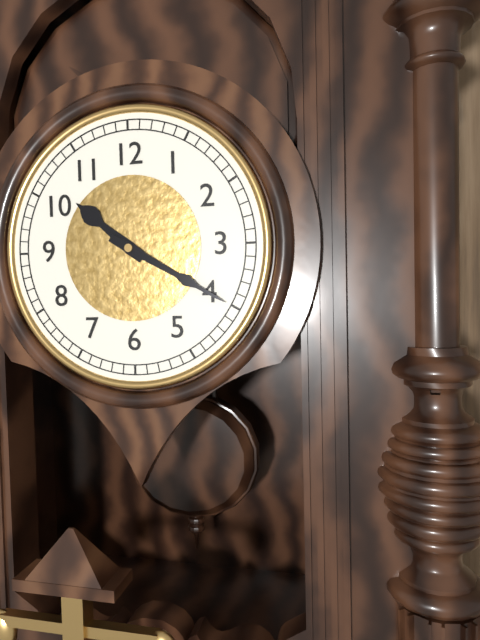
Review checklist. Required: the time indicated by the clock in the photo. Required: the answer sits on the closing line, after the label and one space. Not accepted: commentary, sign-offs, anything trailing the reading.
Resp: 10:20
